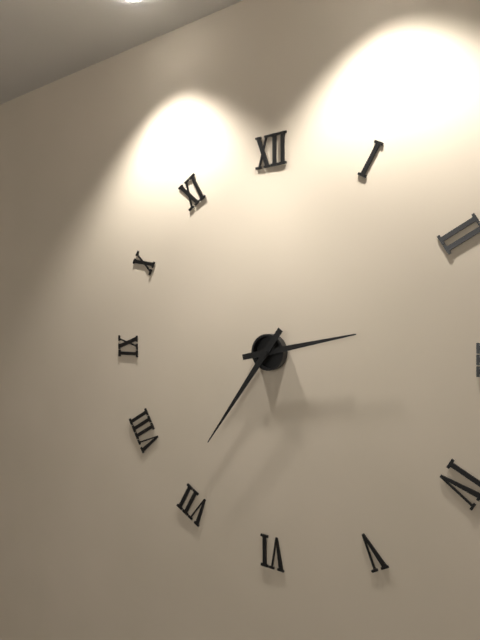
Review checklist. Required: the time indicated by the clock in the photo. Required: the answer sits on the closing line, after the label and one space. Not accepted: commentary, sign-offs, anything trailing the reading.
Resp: 2:36
